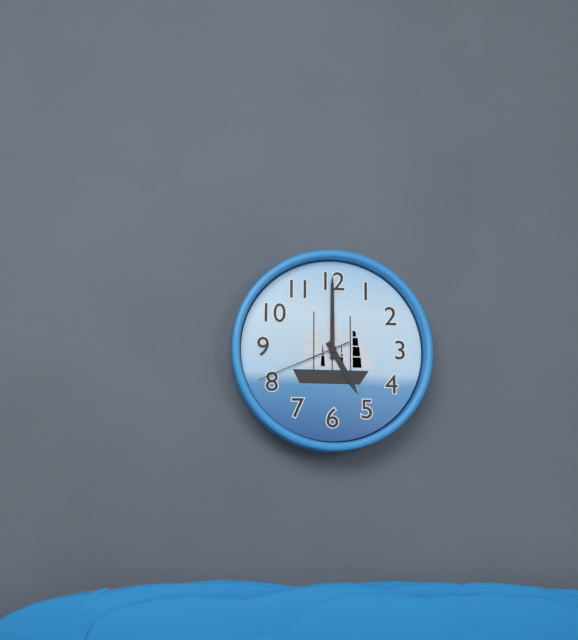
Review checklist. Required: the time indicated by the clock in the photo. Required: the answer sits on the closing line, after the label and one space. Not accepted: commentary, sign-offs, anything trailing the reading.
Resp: 5:00:41
